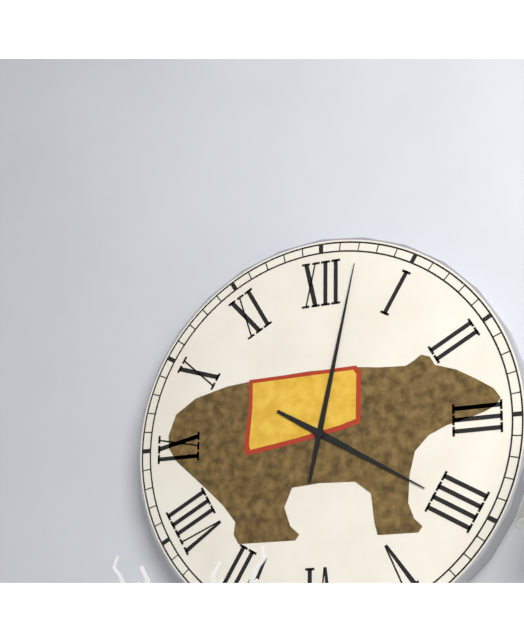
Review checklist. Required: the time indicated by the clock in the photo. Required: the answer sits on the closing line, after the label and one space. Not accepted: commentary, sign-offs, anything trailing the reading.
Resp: 4:02
